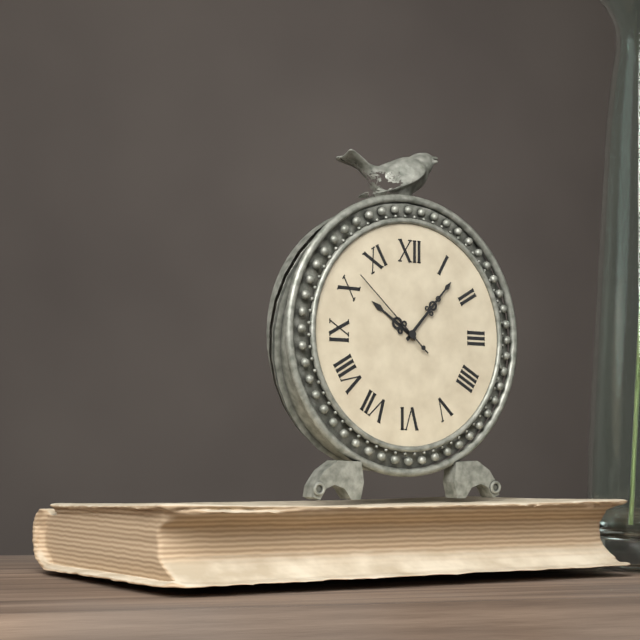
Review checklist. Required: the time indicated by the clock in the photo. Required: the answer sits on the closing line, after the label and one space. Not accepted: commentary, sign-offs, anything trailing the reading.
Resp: 10:07:52
